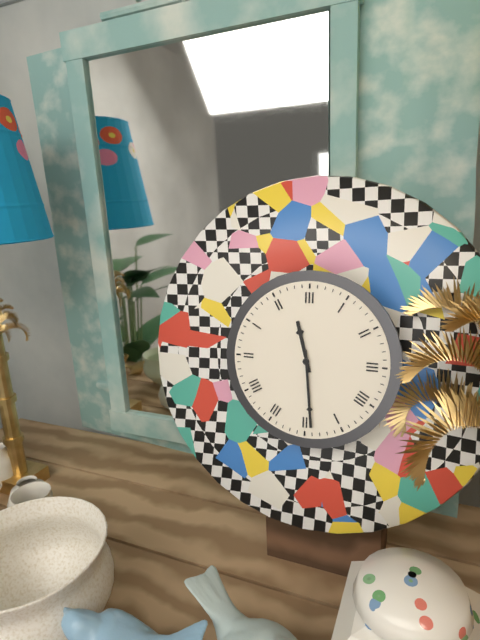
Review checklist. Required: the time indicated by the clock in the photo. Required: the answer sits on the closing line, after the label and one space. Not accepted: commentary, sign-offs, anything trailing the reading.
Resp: 11:29
